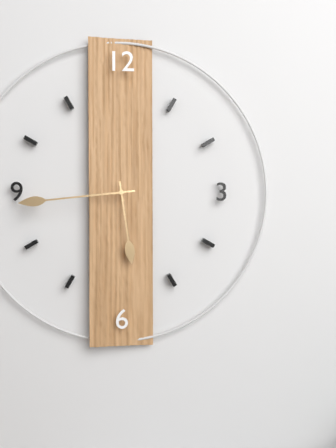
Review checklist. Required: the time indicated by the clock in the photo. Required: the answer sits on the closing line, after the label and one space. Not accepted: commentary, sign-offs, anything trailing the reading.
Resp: 5:44
